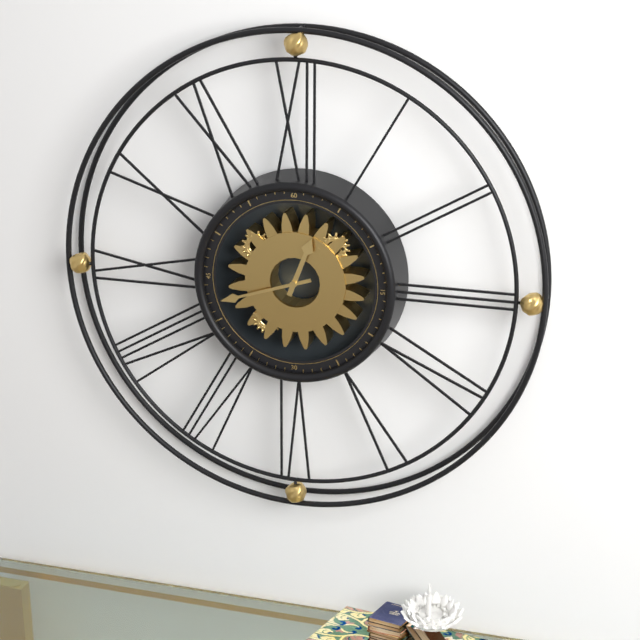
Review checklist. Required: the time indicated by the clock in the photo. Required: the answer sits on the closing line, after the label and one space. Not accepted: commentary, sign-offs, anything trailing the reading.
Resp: 12:42
